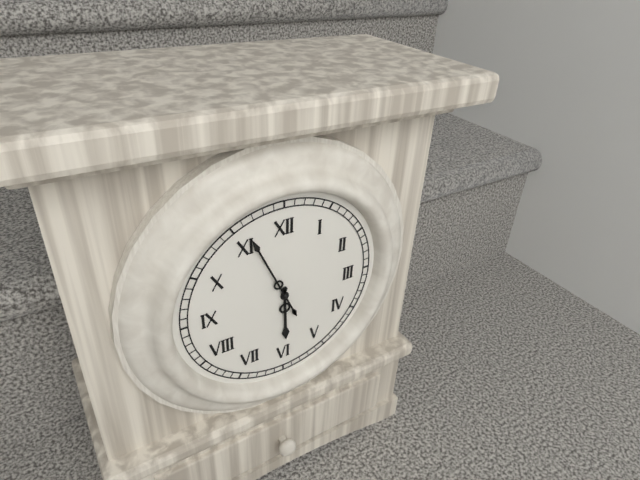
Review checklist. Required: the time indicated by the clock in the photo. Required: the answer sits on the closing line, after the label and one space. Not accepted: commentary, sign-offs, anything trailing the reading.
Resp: 5:56
